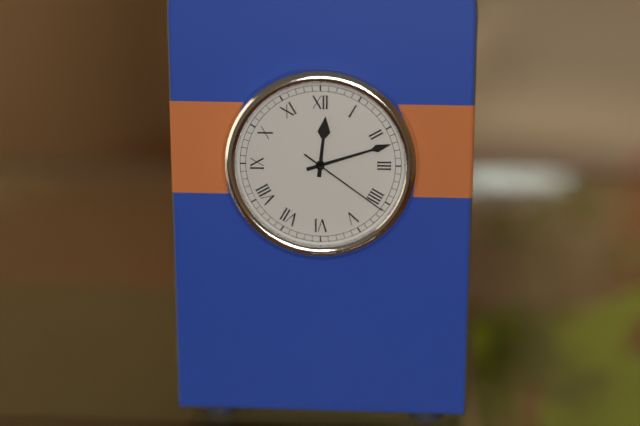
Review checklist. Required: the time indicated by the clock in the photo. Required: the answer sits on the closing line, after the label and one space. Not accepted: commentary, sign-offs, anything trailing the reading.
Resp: 12:12:21
